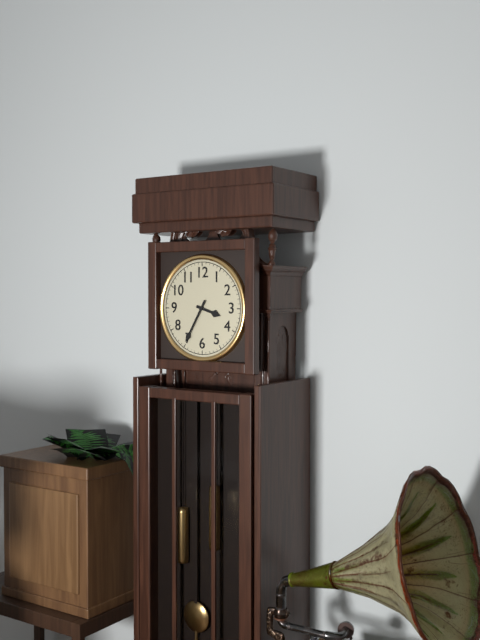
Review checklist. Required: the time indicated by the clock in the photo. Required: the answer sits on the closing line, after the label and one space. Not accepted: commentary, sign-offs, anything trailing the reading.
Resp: 3:35
